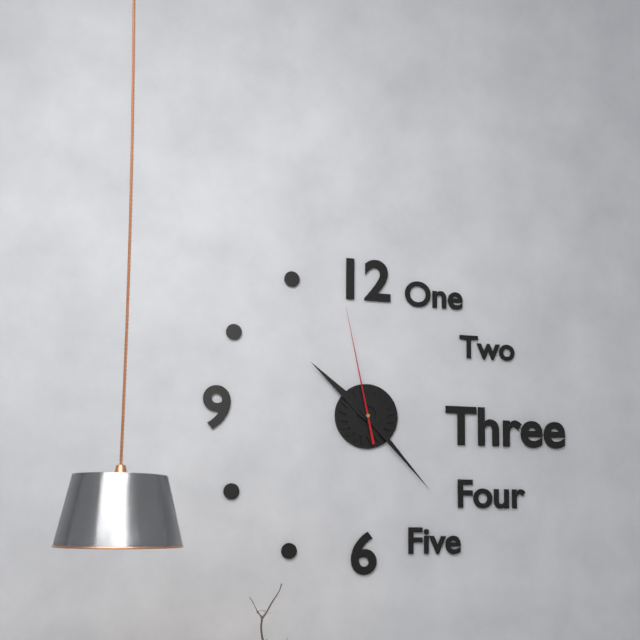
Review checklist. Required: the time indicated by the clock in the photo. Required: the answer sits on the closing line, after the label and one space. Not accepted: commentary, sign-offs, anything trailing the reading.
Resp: 10:23:58
